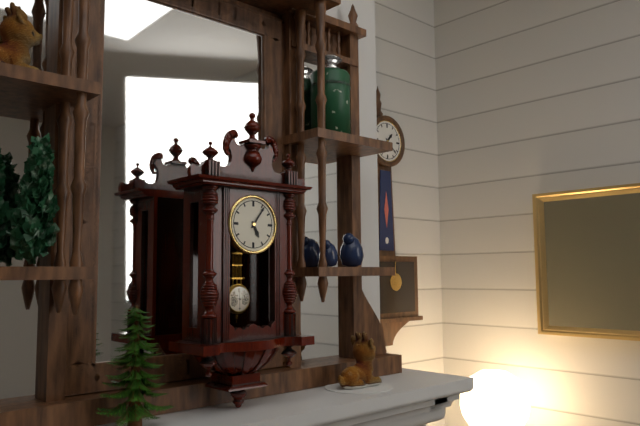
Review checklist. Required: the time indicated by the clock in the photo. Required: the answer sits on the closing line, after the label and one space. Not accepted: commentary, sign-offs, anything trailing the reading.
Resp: 5:06
